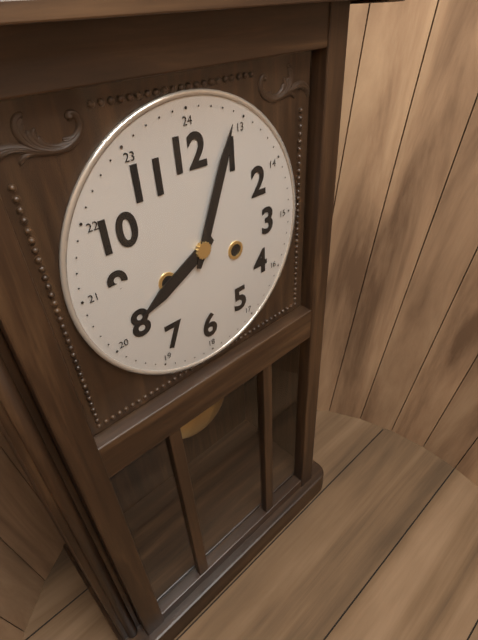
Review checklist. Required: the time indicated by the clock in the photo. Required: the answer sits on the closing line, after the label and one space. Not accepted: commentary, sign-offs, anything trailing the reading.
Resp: 8:04
